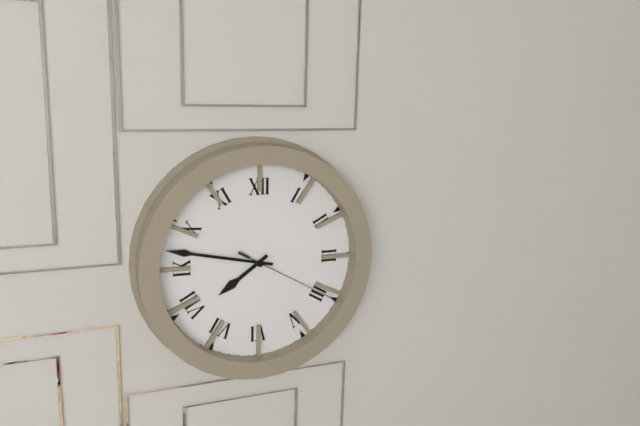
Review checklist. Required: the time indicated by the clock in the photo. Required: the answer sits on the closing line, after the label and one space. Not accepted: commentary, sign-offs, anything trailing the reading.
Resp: 7:47:20
